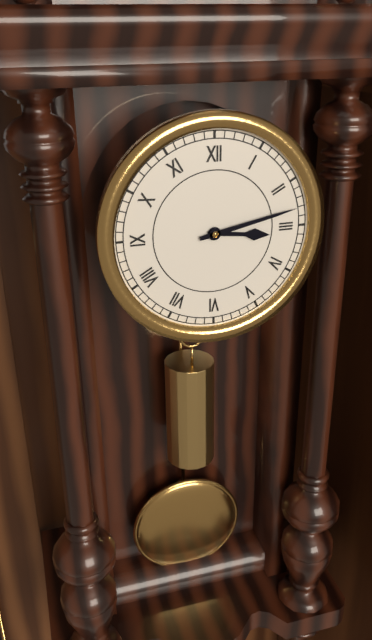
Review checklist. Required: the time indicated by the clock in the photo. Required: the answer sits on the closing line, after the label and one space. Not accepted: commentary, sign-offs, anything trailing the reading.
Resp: 3:13
